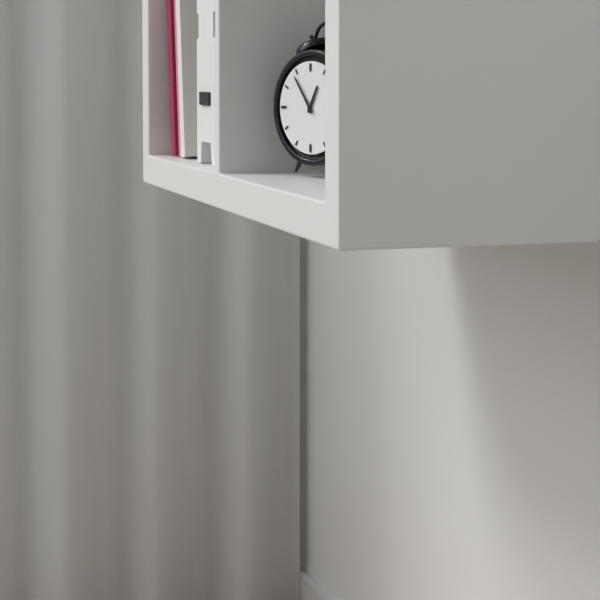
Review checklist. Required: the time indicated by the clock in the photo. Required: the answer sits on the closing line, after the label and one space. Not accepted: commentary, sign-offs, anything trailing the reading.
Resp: 12:54
